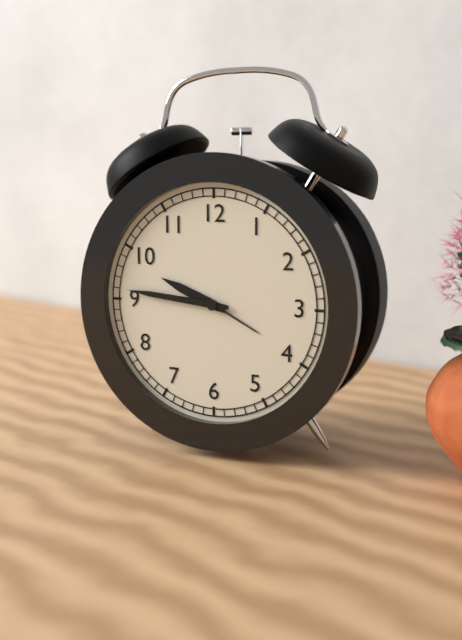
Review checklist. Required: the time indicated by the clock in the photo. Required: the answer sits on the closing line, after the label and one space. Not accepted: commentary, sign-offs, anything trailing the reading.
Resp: 9:46
